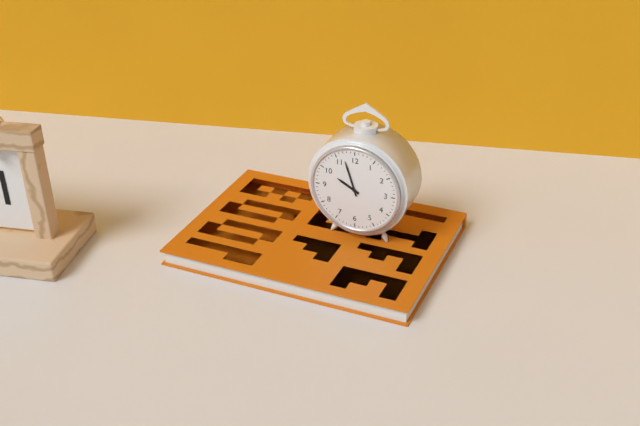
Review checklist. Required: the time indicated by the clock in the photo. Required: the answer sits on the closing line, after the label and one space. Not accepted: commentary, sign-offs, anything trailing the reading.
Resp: 9:57
